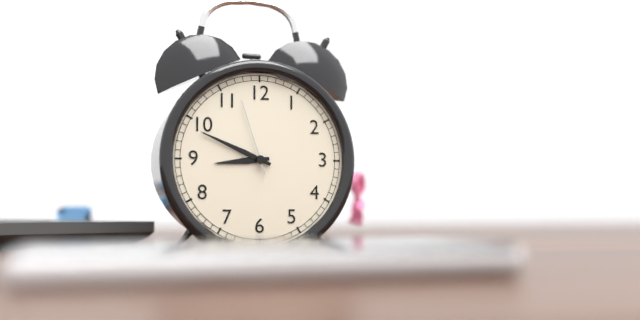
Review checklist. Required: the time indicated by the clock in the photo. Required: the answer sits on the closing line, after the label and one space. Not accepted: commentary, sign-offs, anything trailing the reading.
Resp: 8:49:57
